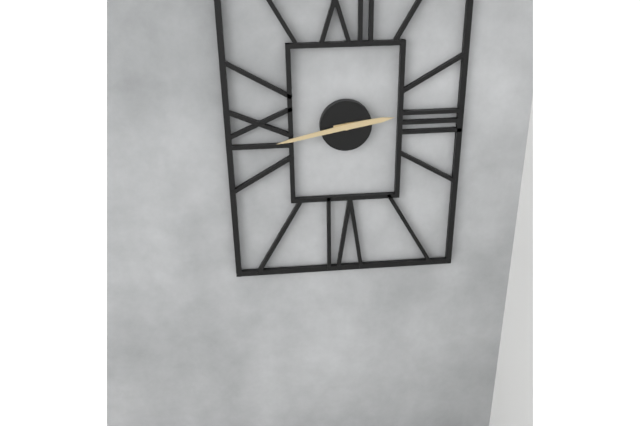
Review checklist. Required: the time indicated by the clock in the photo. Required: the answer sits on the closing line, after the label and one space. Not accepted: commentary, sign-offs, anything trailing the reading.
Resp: 2:43
